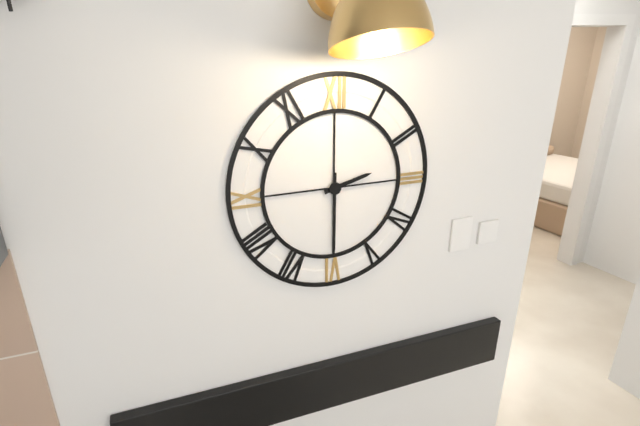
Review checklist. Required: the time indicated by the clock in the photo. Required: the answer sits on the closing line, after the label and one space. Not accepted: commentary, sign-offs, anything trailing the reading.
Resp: 2:30
